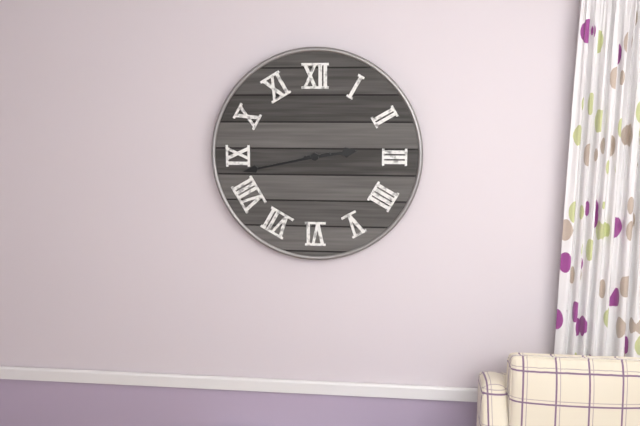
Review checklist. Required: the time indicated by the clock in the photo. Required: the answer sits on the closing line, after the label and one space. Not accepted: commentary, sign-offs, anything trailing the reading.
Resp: 2:43
